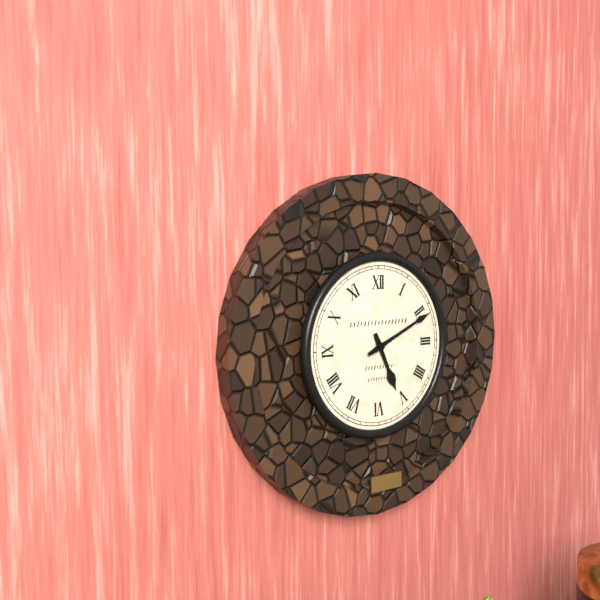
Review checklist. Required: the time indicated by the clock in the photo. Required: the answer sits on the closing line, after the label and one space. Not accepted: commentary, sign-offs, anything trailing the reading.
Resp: 5:11
